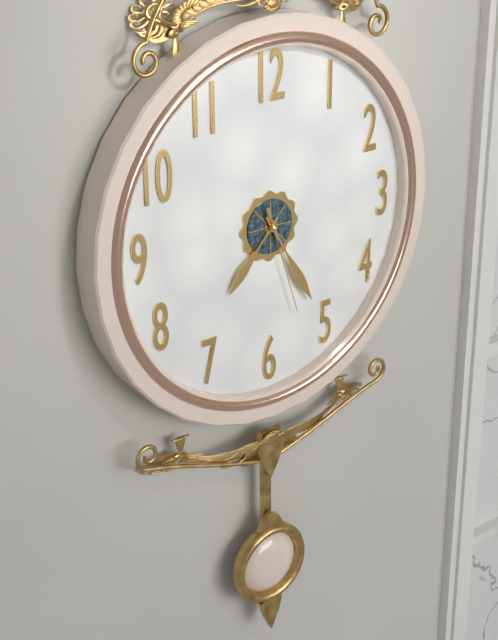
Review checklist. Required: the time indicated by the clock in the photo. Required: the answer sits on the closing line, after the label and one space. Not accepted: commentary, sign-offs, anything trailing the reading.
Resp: 7:25:27
